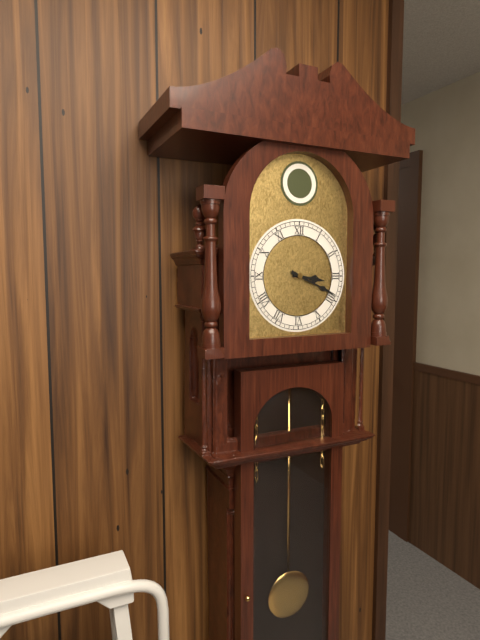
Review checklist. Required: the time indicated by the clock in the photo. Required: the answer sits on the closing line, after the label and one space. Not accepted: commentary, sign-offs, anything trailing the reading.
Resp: 3:19
